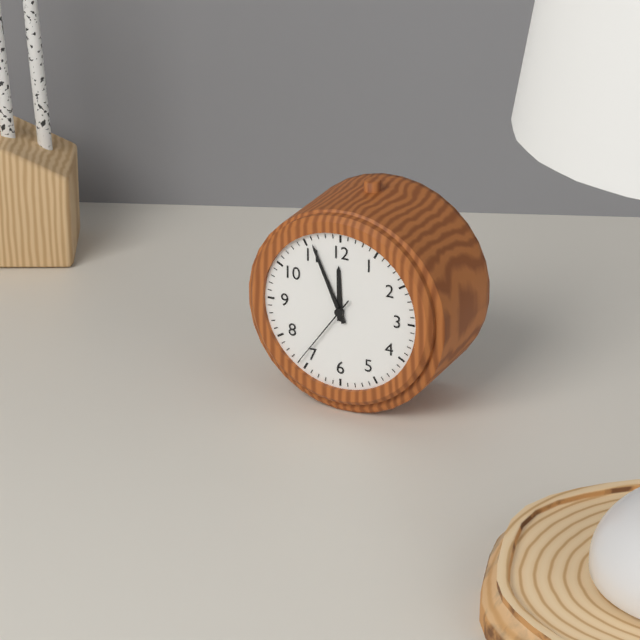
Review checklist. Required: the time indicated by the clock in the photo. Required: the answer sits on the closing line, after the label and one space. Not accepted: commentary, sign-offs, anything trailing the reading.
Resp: 11:56:36
